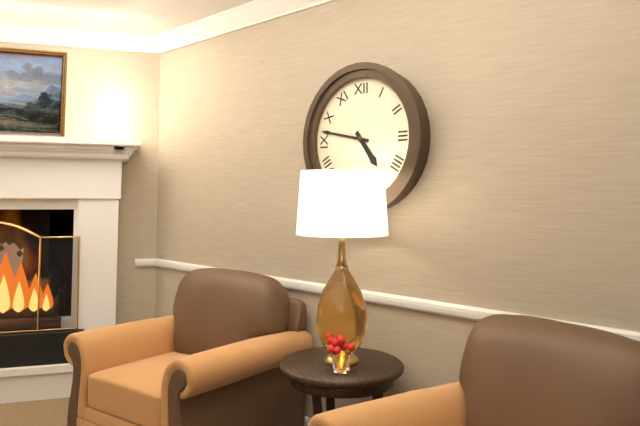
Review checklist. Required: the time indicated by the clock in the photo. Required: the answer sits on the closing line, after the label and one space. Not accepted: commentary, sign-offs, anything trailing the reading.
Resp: 4:47
